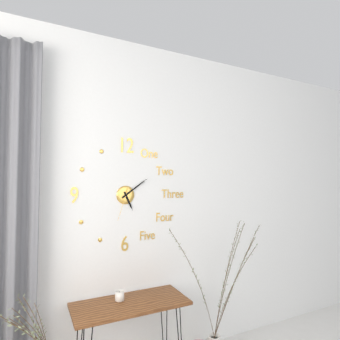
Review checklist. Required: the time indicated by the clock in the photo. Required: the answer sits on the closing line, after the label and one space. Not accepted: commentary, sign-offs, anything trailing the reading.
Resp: 5:09
